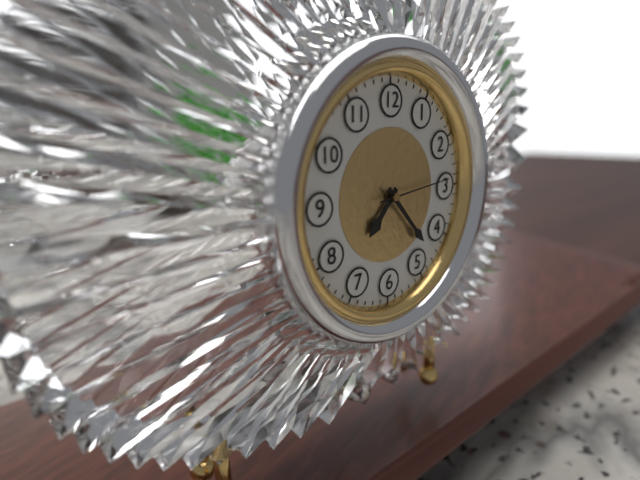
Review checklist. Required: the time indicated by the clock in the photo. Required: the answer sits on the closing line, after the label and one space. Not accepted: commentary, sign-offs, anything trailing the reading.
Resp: 7:23:14
